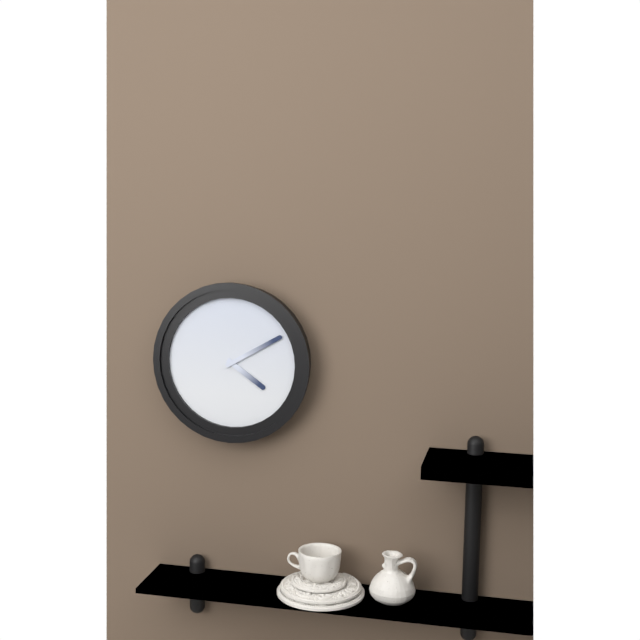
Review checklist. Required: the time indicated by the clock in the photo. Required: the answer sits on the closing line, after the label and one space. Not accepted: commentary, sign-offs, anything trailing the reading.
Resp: 4:10
